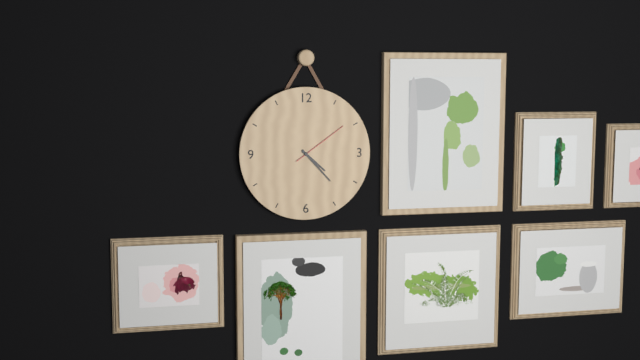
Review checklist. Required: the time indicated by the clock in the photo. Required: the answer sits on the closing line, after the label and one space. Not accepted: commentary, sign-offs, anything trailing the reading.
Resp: 4:23:09
